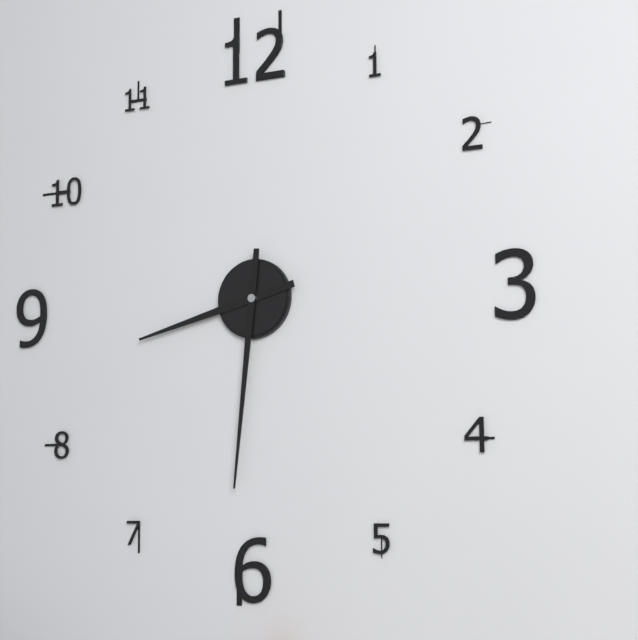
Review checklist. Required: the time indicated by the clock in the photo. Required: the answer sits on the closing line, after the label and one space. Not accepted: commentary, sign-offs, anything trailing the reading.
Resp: 8:31
